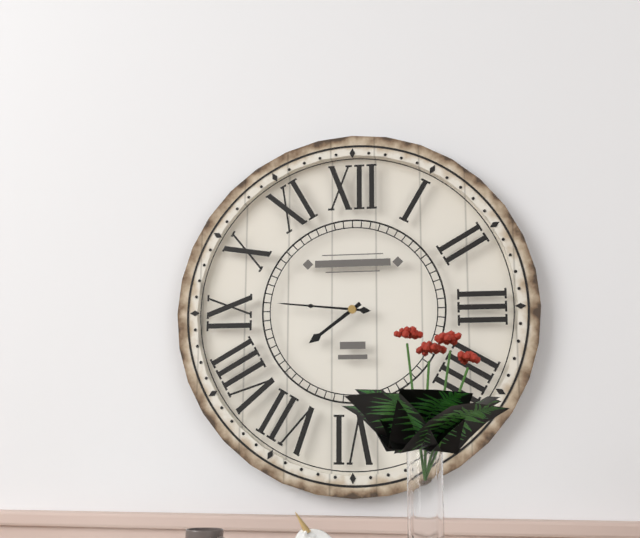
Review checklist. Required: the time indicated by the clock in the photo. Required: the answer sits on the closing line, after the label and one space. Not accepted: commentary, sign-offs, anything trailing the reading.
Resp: 7:46
